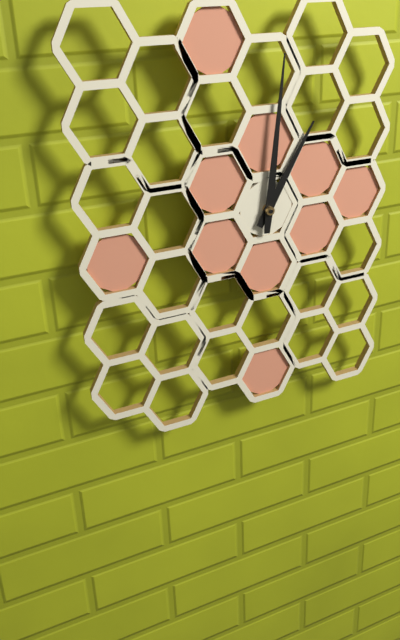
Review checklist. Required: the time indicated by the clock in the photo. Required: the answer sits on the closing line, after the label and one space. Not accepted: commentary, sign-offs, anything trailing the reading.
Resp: 1:01
